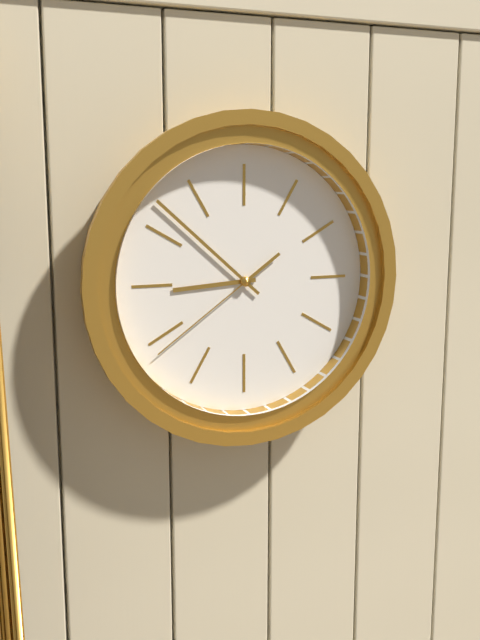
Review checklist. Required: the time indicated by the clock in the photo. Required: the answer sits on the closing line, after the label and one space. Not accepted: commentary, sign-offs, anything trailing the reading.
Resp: 8:52:39
